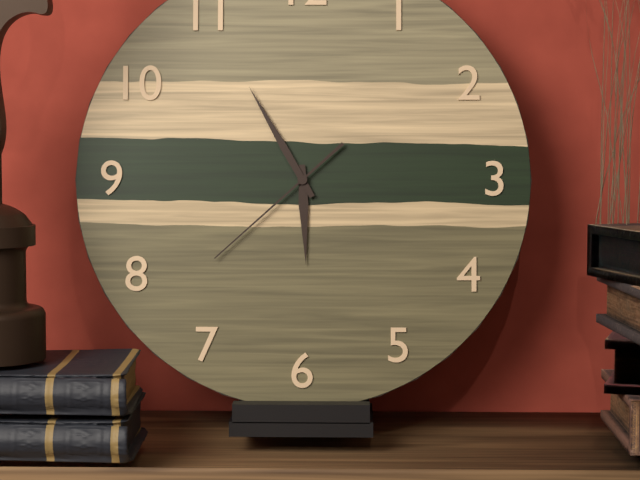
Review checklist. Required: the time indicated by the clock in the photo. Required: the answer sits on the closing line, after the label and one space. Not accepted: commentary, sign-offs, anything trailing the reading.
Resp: 5:55:38
